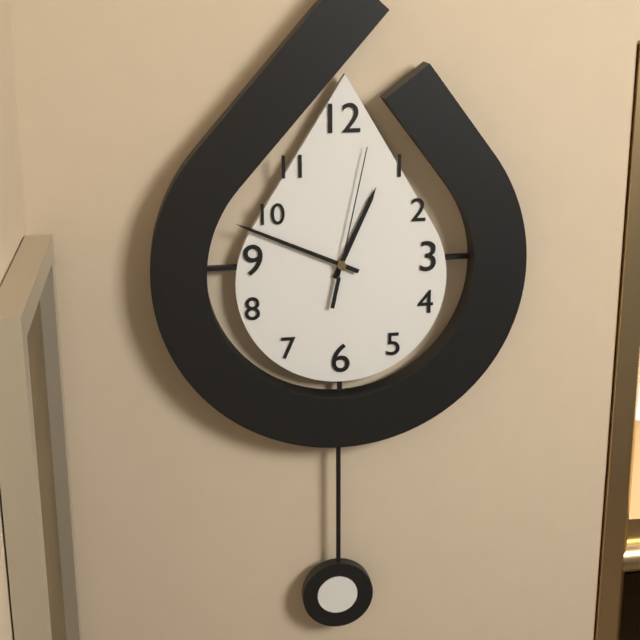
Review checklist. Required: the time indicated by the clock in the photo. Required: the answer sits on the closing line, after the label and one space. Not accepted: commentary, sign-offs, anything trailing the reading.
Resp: 12:49:02
